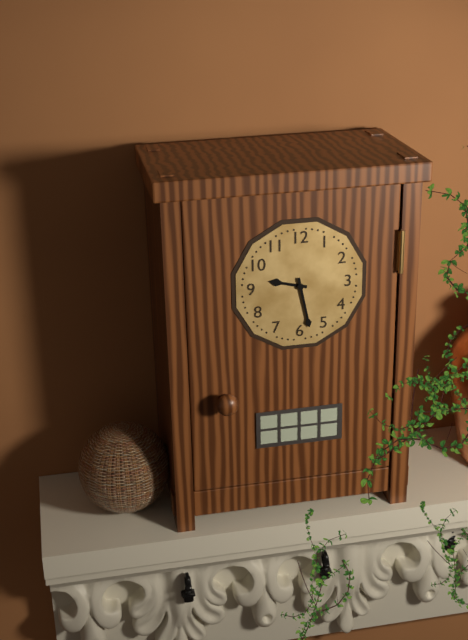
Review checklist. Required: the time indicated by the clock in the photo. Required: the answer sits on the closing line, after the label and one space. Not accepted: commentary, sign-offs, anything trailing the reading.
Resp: 9:28
